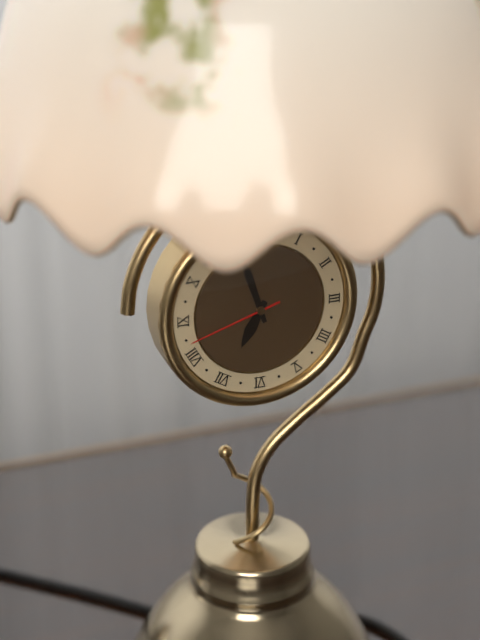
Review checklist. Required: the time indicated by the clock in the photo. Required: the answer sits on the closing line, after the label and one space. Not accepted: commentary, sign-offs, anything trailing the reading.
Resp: 6:57:42
